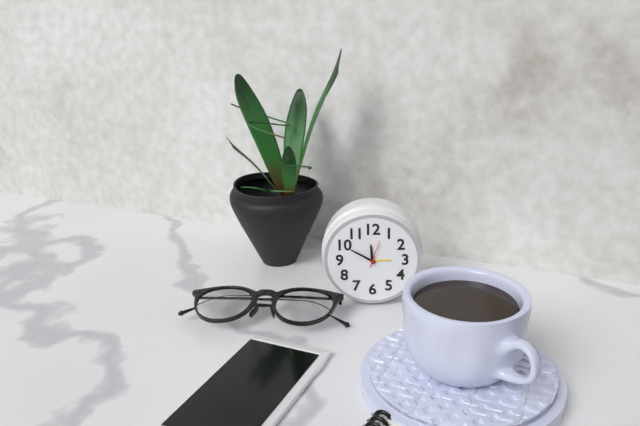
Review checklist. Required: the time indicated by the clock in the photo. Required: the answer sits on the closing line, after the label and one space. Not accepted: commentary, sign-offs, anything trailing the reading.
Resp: 11:50
